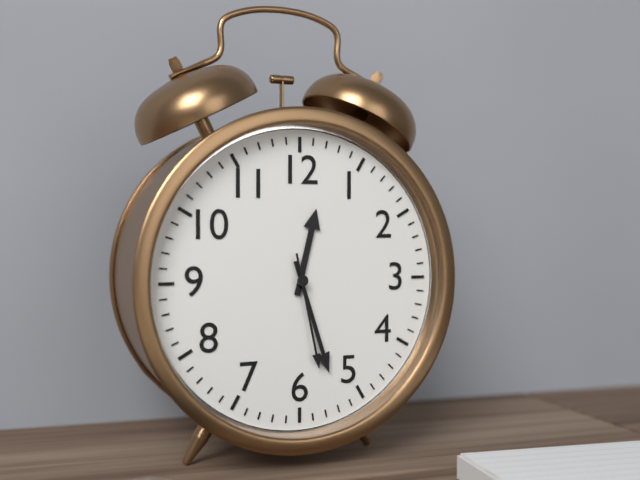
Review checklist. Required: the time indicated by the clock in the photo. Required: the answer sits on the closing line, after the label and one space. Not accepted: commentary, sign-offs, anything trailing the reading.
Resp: 12:27:28
